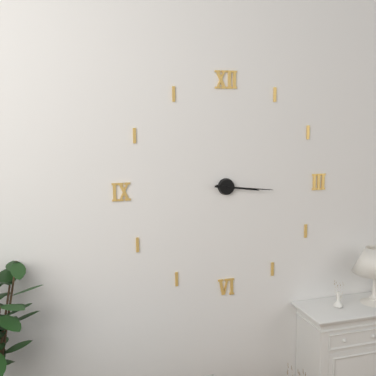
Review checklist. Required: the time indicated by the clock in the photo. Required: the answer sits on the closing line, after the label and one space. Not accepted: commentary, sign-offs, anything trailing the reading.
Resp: 3:16
